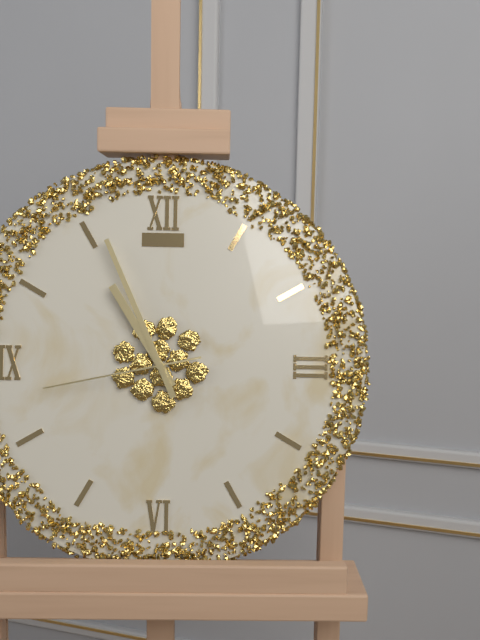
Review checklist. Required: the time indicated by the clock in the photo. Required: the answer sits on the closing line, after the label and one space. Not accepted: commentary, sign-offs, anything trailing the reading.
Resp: 10:56:43
